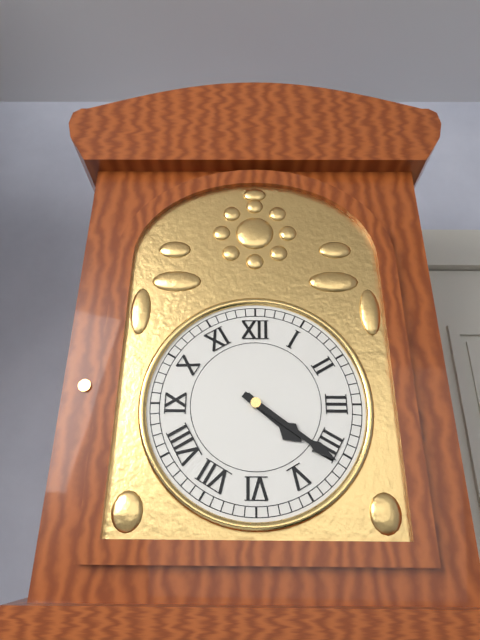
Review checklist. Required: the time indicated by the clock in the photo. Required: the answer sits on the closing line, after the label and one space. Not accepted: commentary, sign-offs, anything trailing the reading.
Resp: 4:21
